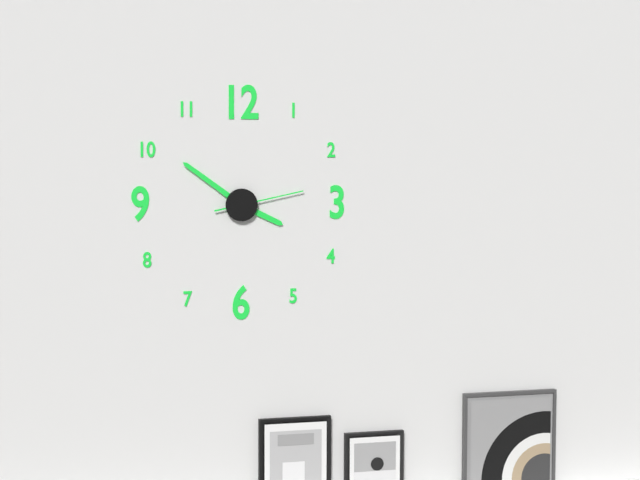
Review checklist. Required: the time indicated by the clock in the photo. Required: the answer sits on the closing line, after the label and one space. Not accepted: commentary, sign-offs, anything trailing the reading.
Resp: 3:51:13
